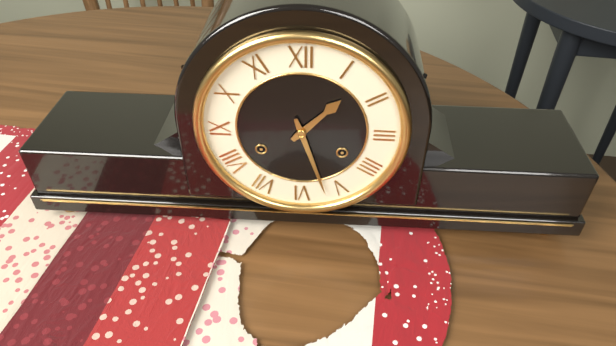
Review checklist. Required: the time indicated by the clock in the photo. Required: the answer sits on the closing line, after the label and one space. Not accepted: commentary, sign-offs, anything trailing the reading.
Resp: 1:27
